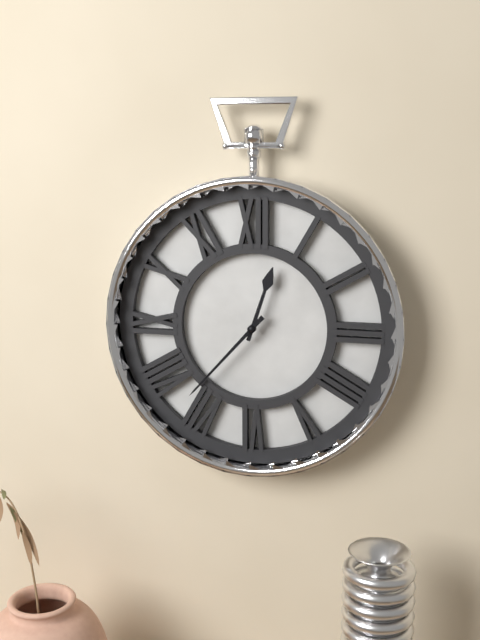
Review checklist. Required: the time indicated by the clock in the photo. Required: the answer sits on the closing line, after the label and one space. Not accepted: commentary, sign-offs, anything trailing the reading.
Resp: 12:37
